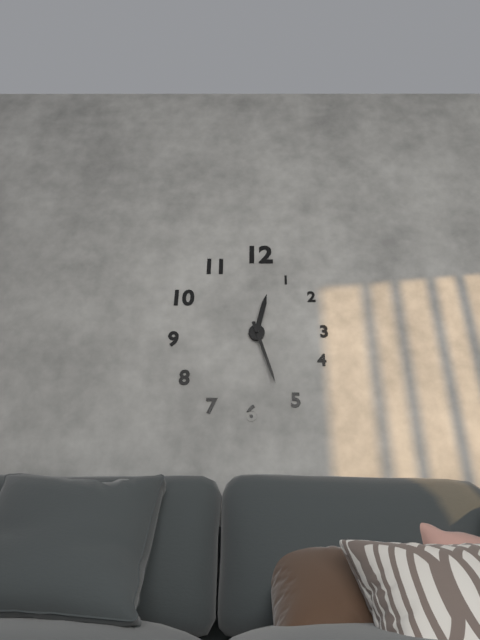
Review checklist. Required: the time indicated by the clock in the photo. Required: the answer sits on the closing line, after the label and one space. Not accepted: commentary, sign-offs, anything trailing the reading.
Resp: 12:27
